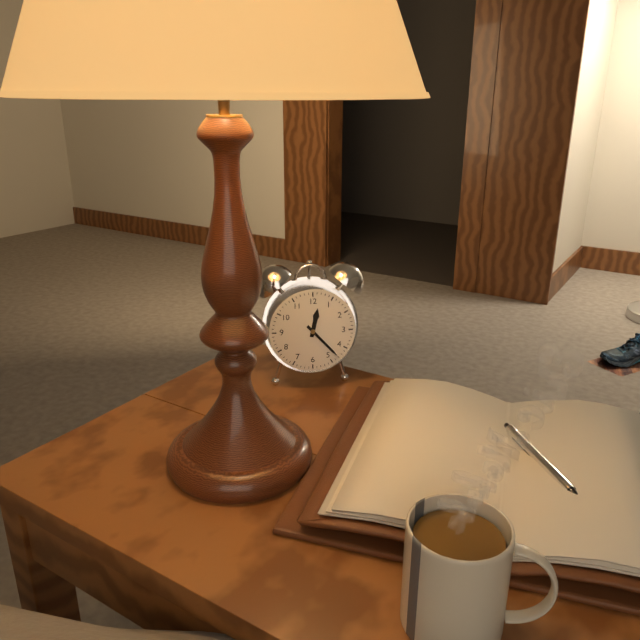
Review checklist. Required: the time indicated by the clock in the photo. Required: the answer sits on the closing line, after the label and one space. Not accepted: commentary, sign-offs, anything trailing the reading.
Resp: 12:23
